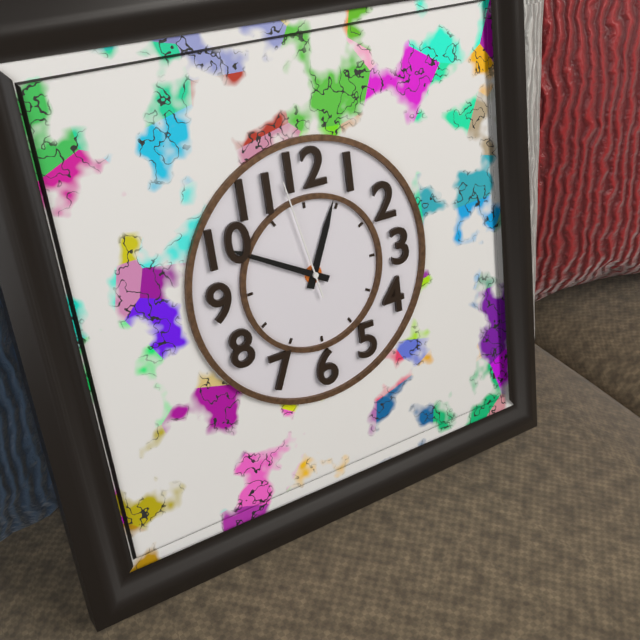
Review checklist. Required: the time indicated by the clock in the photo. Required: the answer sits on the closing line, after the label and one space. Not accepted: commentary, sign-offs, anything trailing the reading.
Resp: 12:50:58
